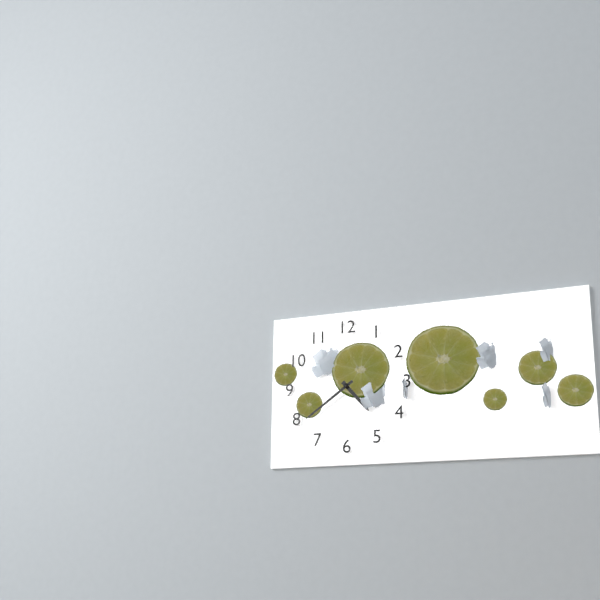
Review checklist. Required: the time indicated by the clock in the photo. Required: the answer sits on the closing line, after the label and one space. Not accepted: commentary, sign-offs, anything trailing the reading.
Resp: 4:39
